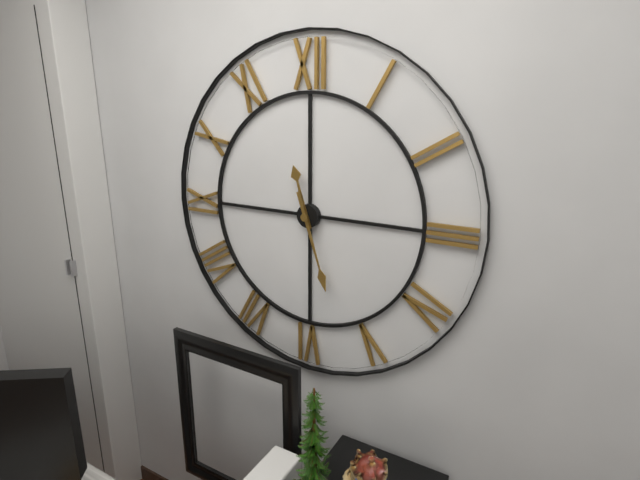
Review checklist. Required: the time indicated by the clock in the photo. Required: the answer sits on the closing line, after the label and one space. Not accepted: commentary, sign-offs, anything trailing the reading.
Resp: 11:27
